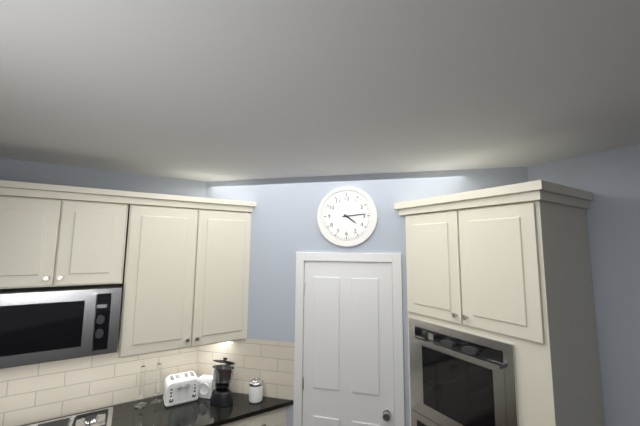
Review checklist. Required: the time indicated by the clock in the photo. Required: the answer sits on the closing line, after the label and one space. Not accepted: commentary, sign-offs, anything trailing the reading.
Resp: 4:14
